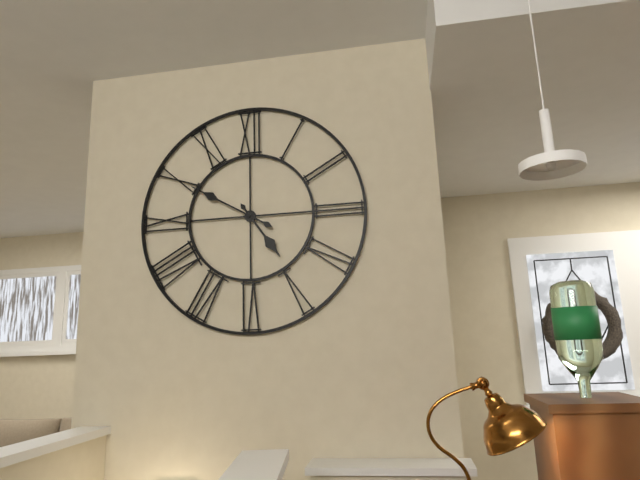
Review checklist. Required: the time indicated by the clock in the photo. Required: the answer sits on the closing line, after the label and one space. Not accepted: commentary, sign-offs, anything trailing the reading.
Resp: 4:50
